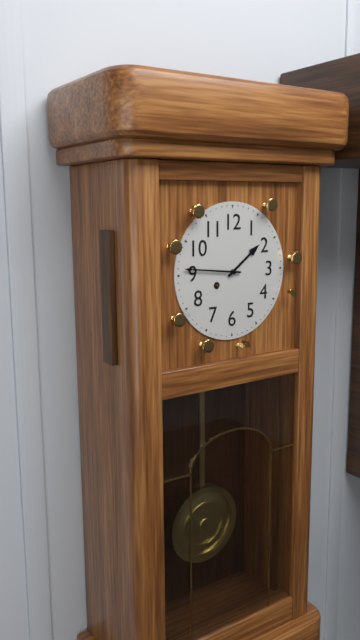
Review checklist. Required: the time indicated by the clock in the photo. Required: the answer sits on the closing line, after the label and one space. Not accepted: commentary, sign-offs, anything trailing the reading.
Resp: 1:46
